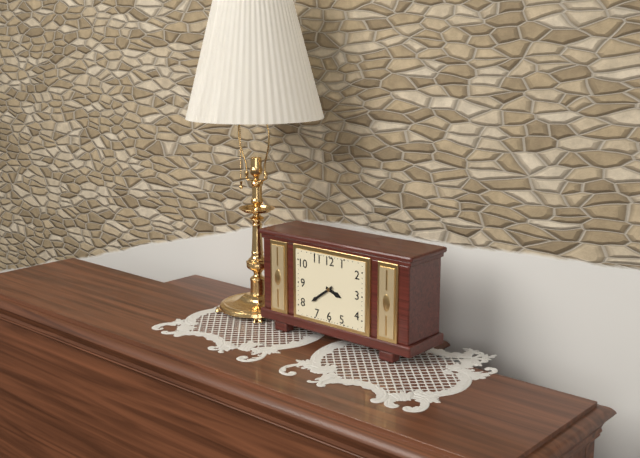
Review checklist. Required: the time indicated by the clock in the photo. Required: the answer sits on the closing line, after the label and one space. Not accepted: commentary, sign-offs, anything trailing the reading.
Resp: 3:39
